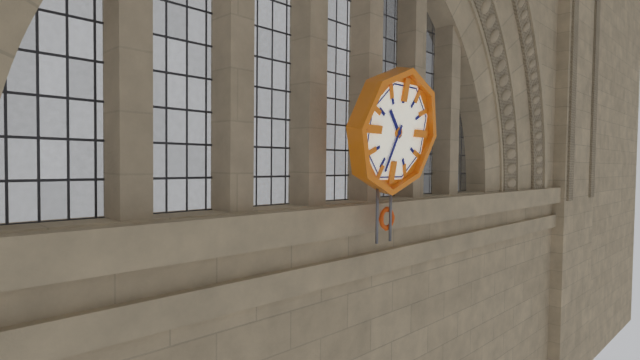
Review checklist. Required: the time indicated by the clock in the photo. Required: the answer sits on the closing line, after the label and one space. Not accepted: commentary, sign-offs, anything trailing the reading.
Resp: 10:33
